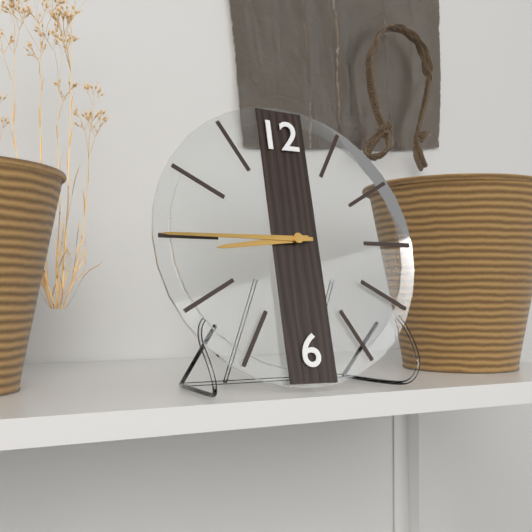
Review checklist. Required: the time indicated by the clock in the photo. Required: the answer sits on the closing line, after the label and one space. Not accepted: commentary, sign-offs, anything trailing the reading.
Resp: 8:45
